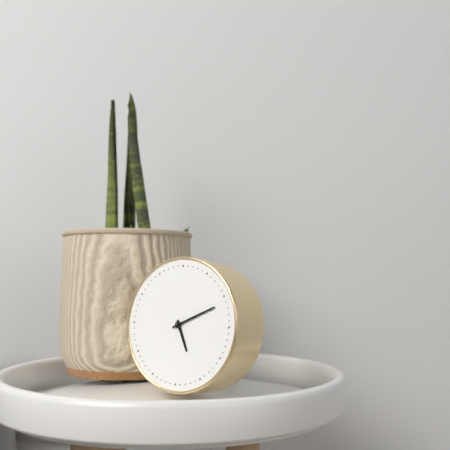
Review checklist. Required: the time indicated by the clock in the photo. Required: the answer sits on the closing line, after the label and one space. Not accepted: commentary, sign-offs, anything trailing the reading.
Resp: 5:11
